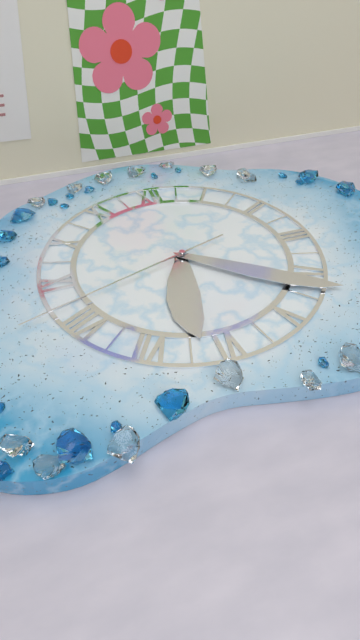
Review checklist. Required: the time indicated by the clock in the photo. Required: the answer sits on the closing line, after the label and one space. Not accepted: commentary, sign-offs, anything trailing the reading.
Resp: 6:21:42
